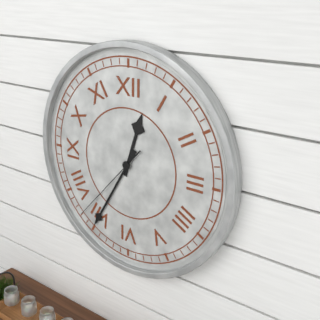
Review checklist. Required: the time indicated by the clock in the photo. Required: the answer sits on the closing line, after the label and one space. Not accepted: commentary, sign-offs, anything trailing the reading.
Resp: 12:35:37
